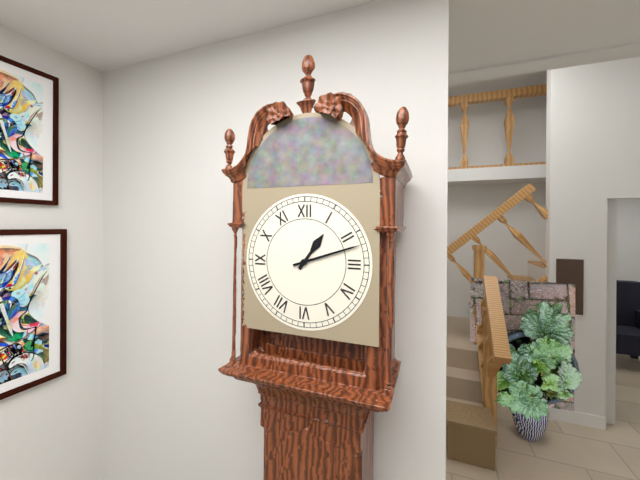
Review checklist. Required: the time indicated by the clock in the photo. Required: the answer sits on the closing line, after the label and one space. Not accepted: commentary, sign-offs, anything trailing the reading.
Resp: 1:12
